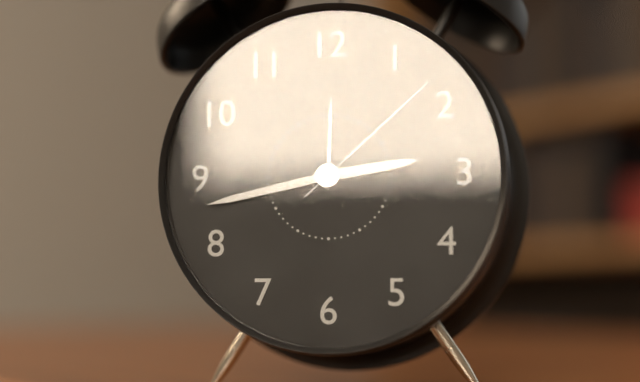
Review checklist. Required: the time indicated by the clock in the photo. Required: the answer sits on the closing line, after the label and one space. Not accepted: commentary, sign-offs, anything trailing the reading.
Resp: 2:43:08
